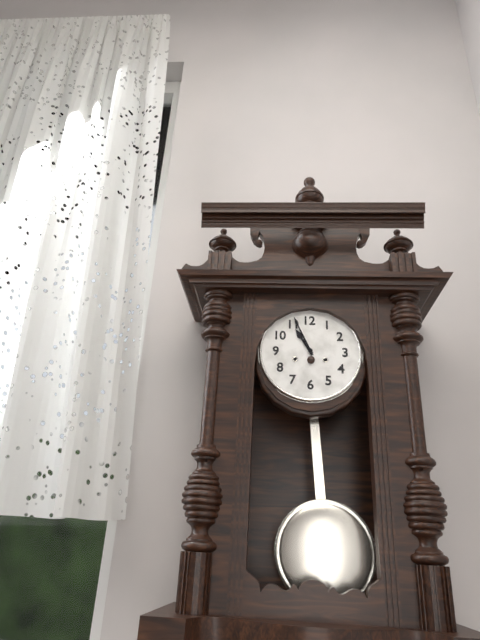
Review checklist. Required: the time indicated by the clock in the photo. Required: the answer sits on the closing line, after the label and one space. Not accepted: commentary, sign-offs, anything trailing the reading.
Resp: 10:56
